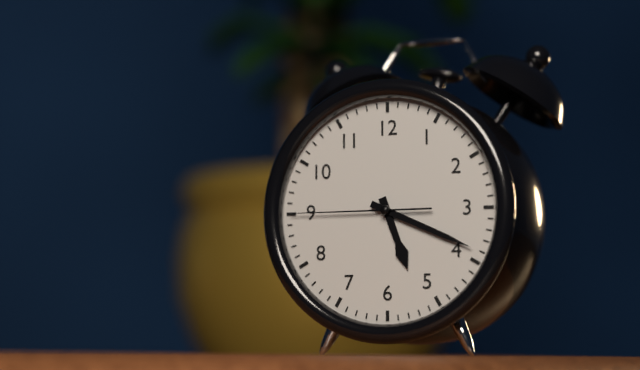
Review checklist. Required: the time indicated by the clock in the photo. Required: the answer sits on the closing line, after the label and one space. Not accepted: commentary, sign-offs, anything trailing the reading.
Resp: 5:19:45
